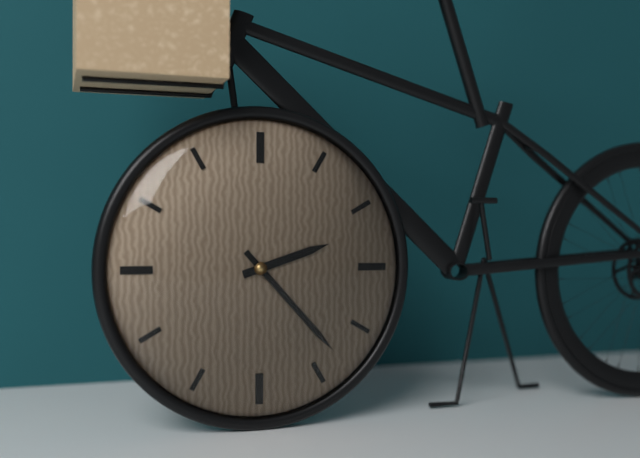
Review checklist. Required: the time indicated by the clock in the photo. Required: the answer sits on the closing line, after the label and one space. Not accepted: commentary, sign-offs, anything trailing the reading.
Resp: 2:23
